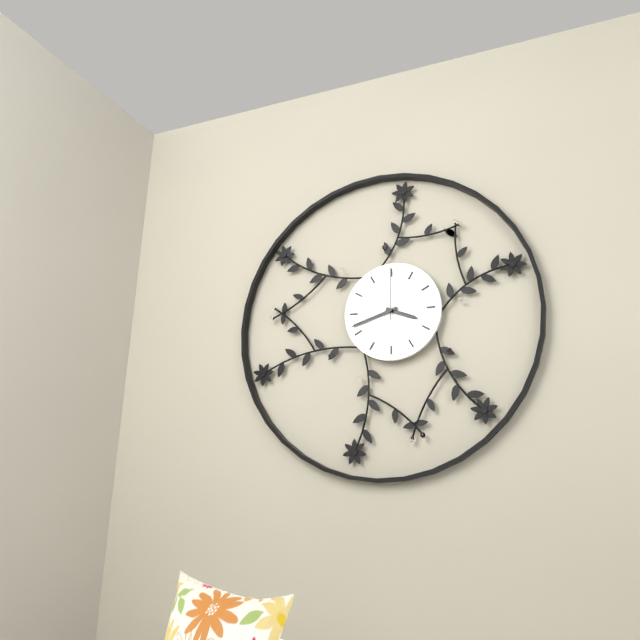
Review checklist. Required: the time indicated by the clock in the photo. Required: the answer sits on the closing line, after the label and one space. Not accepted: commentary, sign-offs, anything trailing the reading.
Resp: 3:42:00
